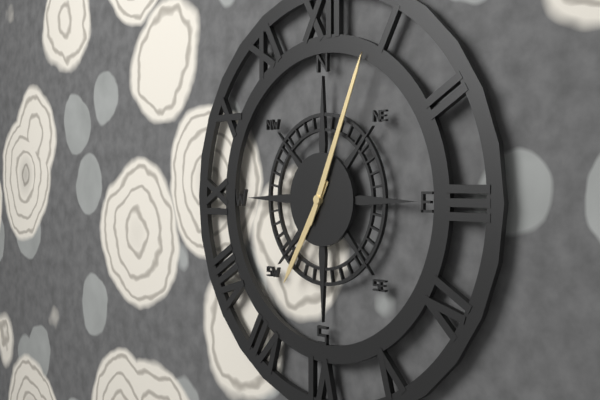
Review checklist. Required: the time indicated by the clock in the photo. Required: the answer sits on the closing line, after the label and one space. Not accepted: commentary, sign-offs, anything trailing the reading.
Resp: 7:04
